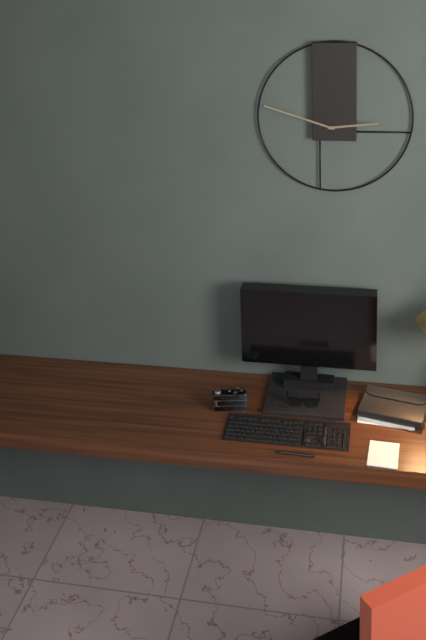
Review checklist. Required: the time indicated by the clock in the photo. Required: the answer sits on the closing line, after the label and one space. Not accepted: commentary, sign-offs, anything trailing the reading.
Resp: 2:48
